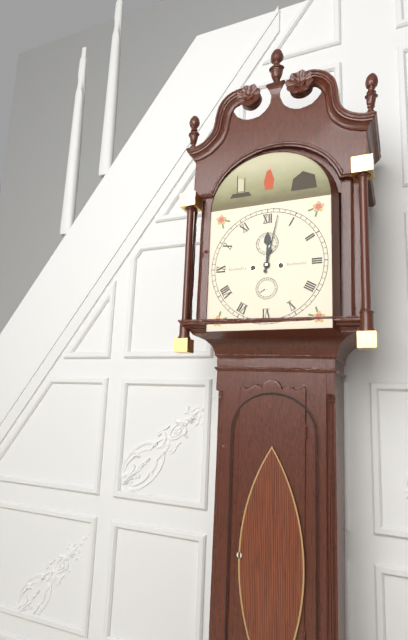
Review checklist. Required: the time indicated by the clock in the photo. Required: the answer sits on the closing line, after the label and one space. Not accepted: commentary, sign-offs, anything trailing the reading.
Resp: 12:02
